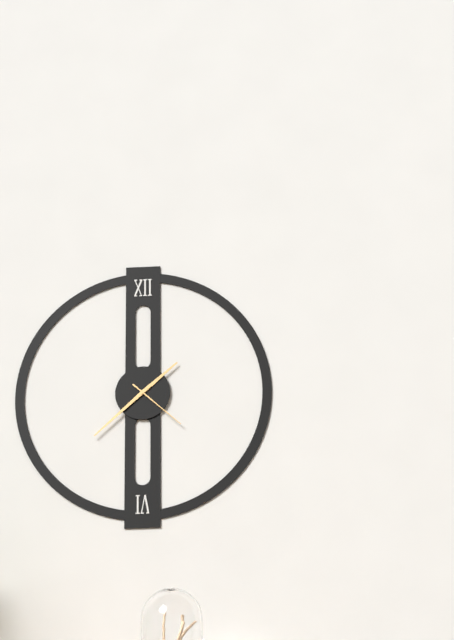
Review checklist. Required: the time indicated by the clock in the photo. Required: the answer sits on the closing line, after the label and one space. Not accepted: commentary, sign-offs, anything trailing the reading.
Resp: 1:38:22
